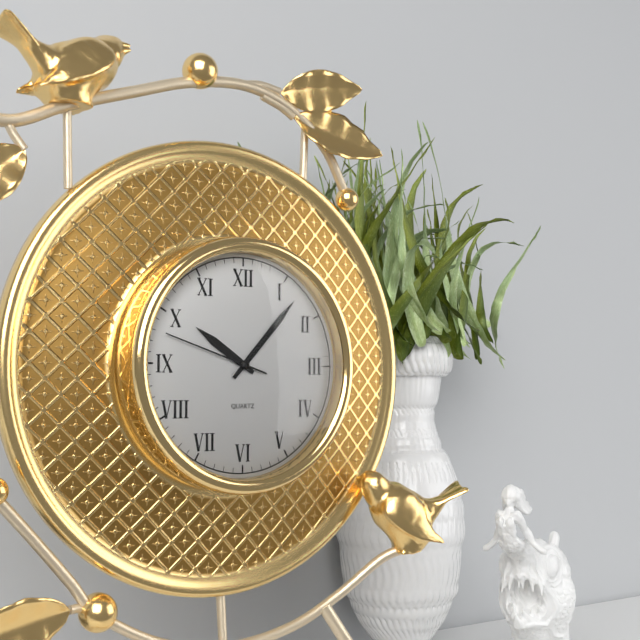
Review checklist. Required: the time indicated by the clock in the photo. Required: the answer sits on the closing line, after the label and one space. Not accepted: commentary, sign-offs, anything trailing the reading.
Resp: 10:07:48
